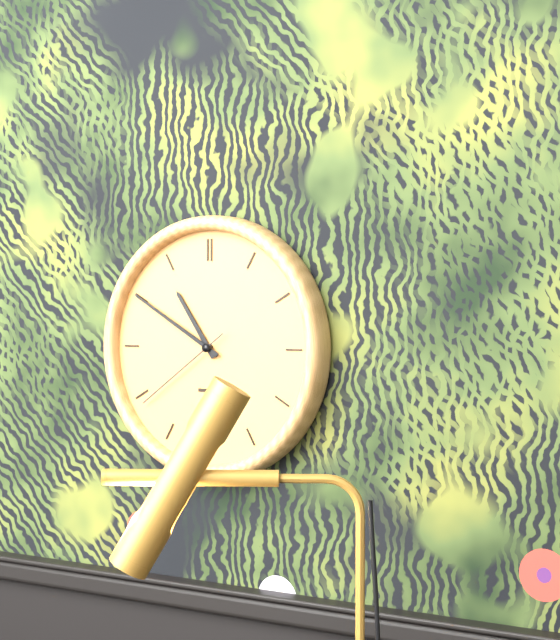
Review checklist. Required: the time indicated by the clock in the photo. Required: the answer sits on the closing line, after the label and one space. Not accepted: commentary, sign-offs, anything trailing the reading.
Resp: 10:50:39
